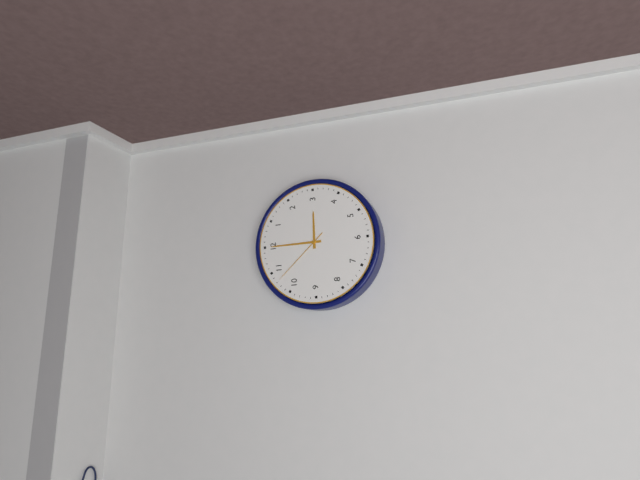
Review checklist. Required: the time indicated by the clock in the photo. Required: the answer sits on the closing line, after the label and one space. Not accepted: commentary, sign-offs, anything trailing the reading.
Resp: 3:00:53
